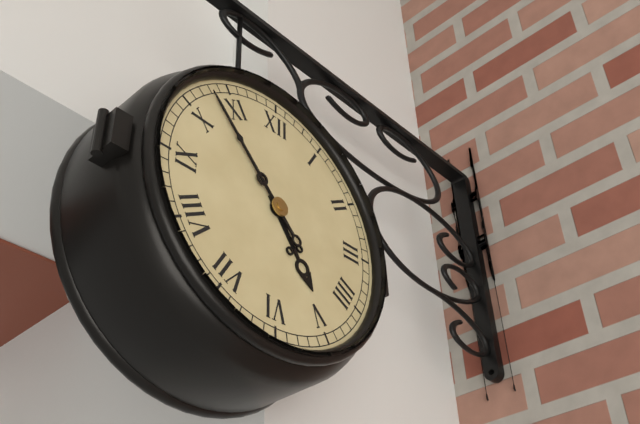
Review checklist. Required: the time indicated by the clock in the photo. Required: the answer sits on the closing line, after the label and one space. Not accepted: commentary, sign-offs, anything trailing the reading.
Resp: 4:53
